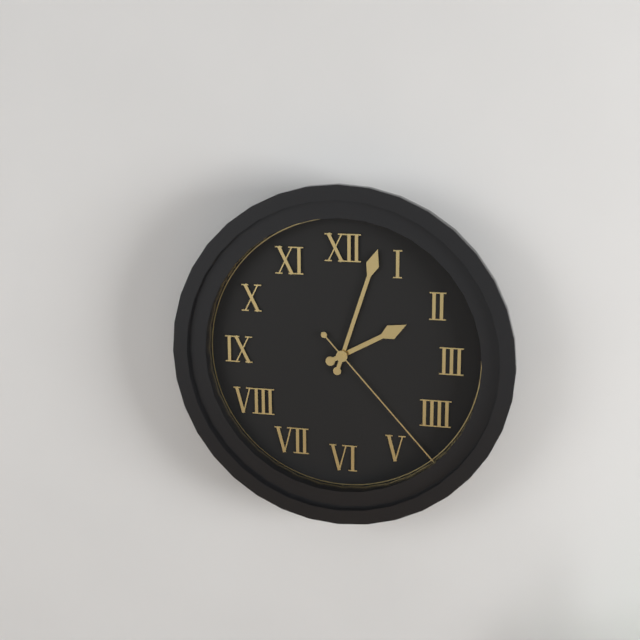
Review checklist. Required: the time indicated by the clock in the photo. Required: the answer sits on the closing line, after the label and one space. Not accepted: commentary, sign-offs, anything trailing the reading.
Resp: 2:03:23
